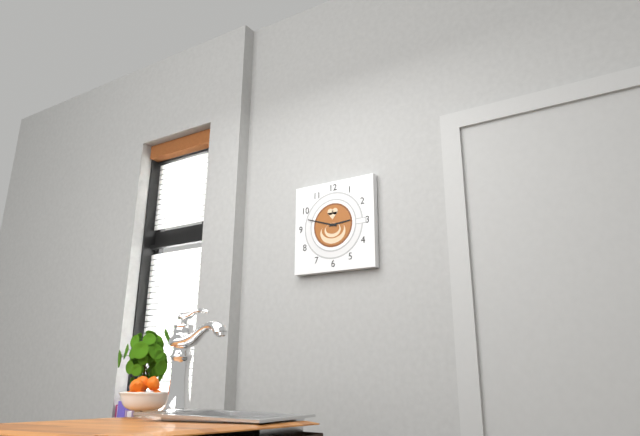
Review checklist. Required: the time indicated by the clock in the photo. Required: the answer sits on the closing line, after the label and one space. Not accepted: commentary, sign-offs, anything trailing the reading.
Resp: 2:48
